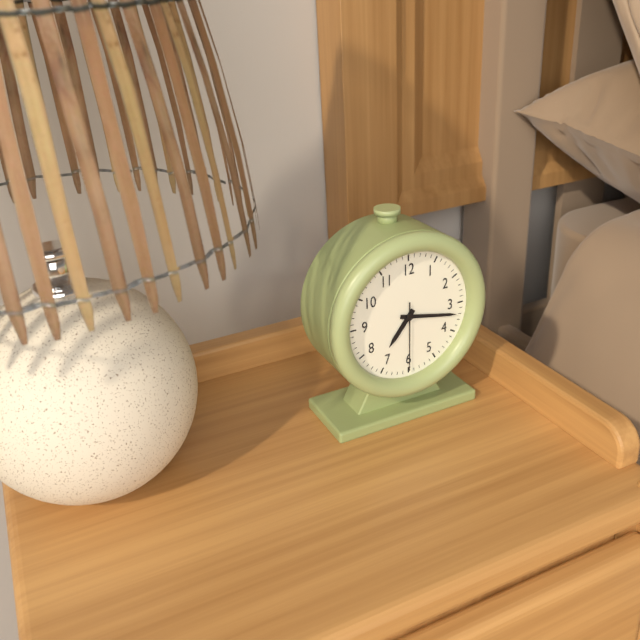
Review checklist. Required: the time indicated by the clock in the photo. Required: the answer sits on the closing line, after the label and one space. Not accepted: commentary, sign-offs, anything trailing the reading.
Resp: 7:17:30
